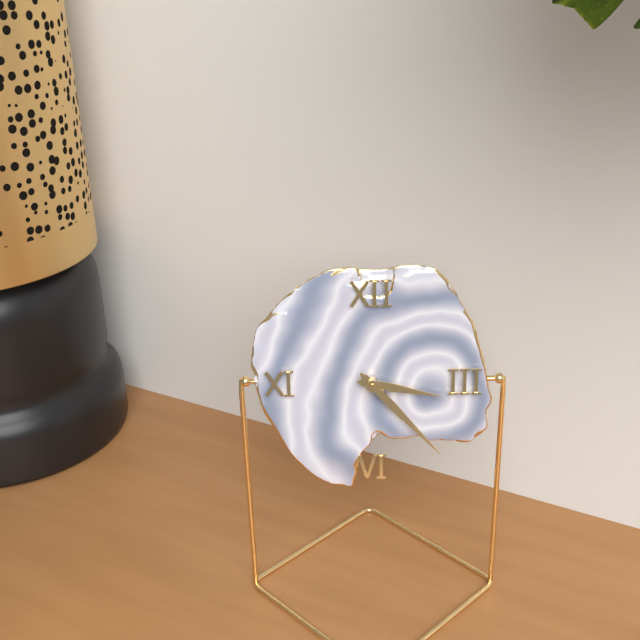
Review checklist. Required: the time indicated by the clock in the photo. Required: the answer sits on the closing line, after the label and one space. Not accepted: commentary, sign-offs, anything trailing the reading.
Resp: 3:23
